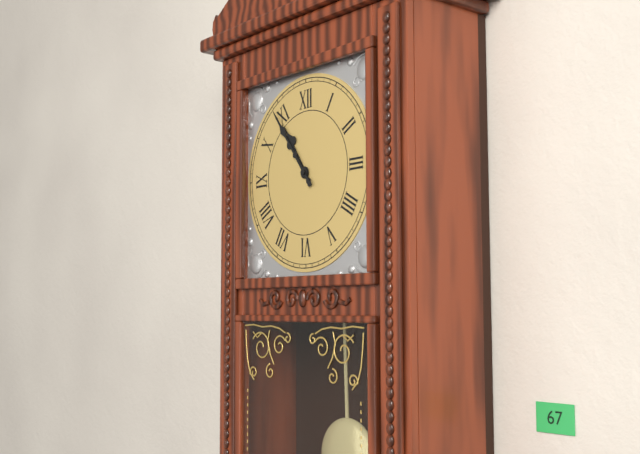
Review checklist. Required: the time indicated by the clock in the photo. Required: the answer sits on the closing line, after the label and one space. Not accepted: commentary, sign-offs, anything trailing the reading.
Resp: 10:54
